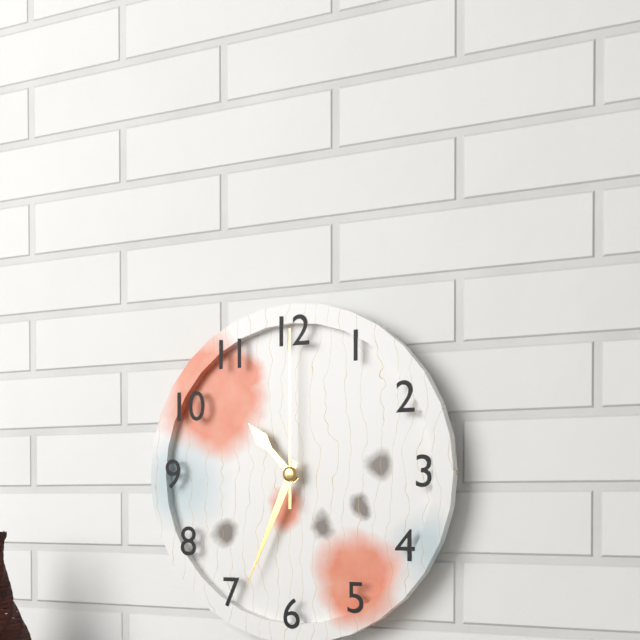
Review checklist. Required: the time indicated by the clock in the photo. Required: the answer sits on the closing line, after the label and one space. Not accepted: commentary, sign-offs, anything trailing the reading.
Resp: 10:34:00
